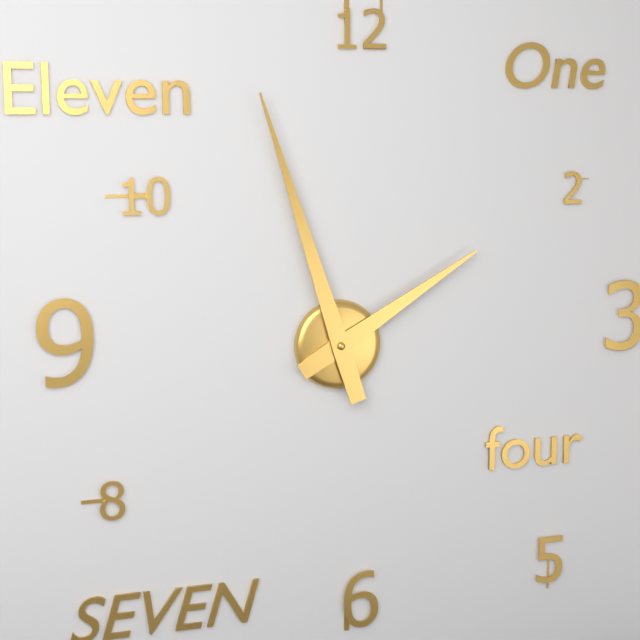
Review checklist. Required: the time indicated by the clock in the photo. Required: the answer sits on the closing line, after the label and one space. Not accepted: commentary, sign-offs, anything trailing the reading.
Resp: 1:57
